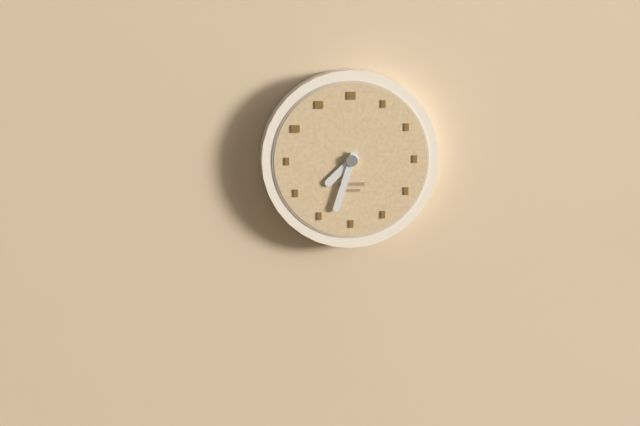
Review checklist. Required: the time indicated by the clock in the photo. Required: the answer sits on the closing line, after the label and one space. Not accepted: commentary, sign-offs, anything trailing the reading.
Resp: 7:33
